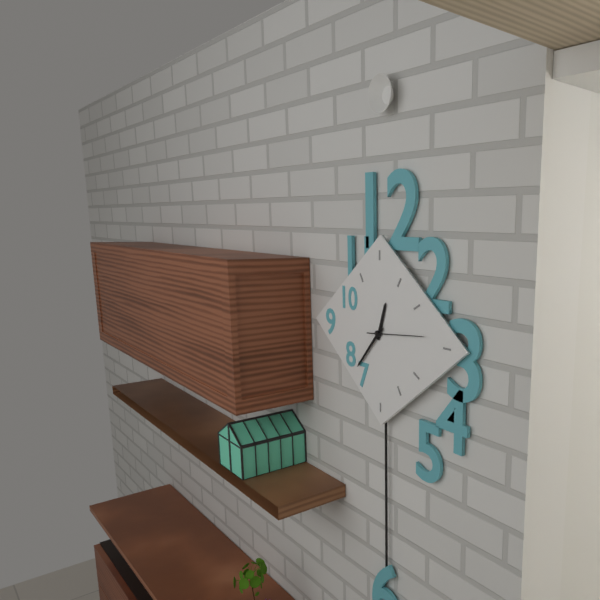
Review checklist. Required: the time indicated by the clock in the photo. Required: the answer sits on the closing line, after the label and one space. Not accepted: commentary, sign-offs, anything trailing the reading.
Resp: 12:37
